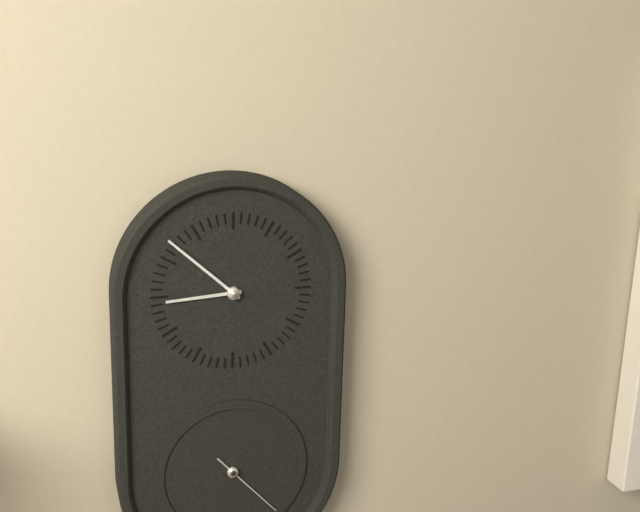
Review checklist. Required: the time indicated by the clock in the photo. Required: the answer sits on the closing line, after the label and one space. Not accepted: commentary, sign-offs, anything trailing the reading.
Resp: 8:52:23
